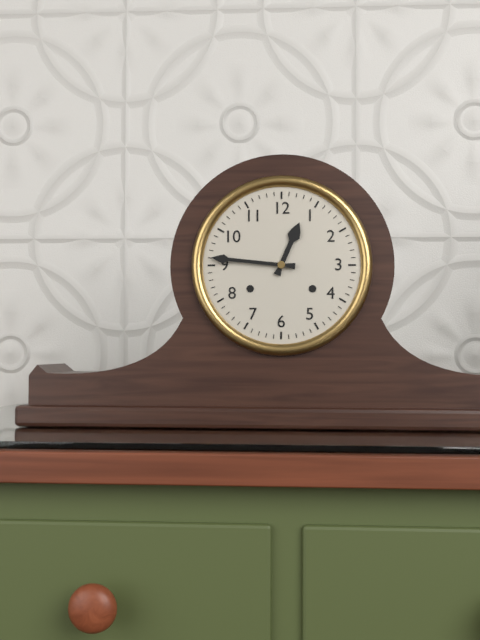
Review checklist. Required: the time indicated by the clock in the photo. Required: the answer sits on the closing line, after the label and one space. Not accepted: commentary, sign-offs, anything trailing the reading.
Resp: 12:46
